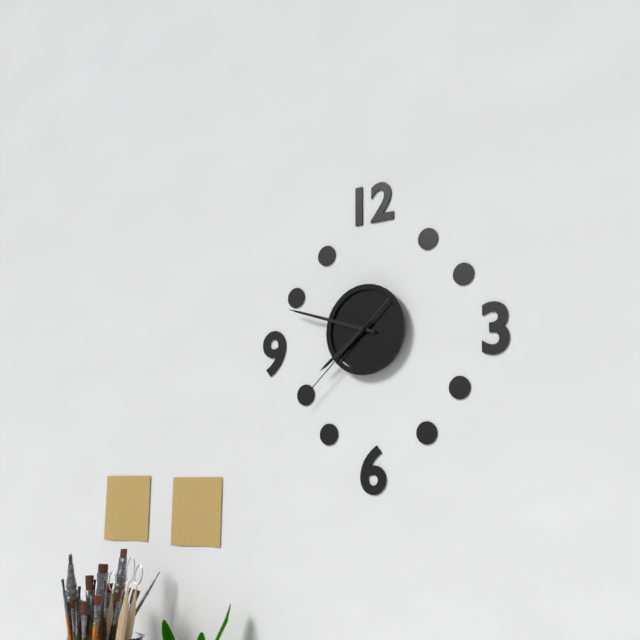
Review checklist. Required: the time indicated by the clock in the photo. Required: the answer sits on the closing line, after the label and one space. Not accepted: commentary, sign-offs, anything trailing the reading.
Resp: 7:48:38
